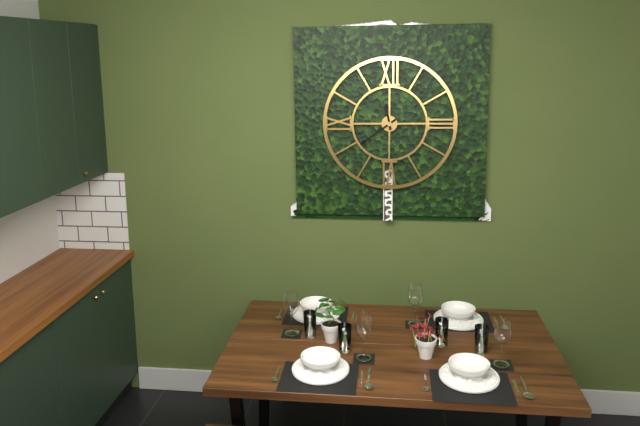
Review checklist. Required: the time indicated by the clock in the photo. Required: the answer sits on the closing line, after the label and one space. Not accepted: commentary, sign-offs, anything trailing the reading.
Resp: 11:39
